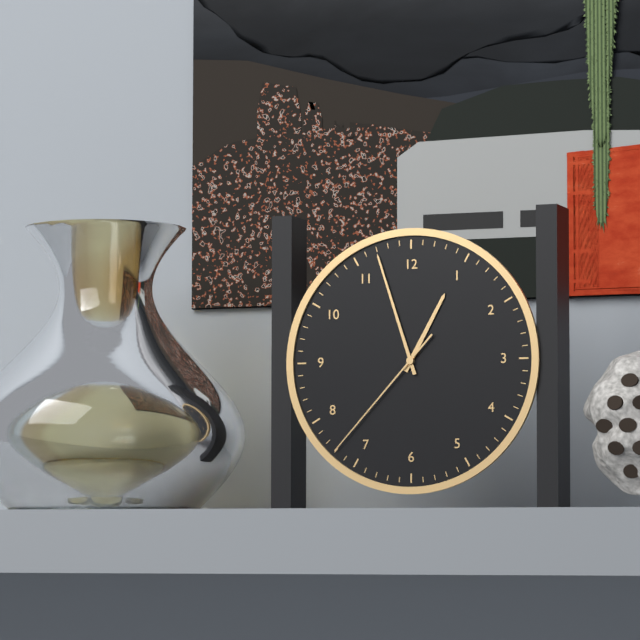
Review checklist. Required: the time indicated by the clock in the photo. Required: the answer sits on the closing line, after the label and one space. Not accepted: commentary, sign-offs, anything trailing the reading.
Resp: 12:57:37
